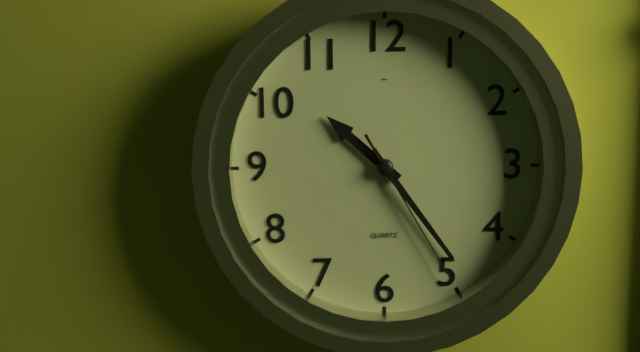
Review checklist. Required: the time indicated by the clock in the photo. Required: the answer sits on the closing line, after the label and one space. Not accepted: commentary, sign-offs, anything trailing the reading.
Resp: 10:24:25
